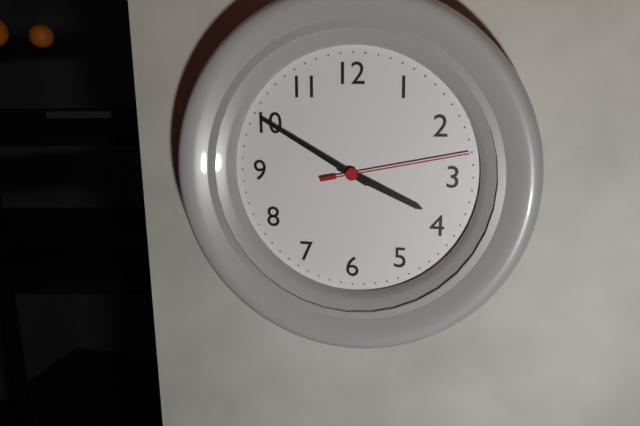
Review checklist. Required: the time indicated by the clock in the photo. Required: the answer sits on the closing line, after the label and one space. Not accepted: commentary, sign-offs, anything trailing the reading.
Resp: 3:50:13
